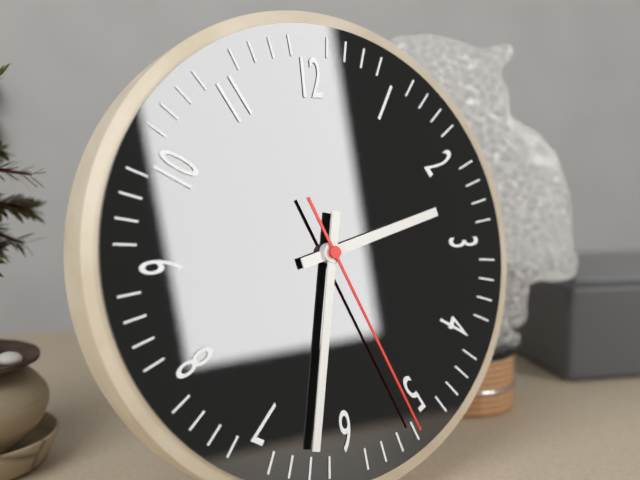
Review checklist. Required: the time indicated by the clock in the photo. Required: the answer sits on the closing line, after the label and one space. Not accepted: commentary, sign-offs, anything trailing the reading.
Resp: 2:32:26
